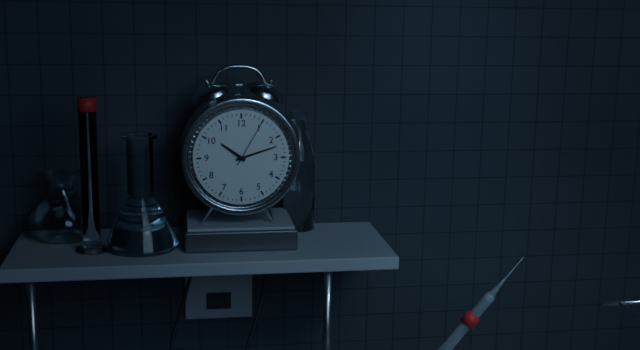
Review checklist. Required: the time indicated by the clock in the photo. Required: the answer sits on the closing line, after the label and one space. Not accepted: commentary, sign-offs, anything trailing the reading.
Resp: 10:12:05
